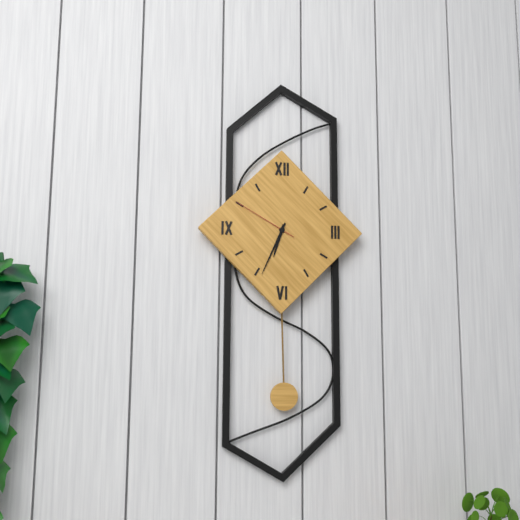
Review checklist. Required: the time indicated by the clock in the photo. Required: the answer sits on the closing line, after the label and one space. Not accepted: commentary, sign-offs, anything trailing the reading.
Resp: 6:34:50
